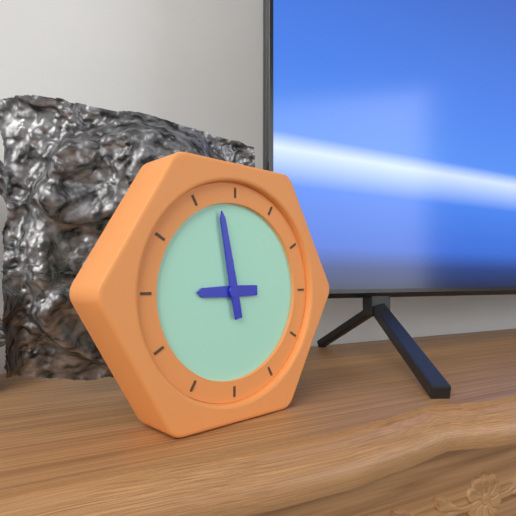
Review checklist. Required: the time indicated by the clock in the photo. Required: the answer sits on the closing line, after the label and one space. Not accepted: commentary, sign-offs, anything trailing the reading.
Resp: 8:58
